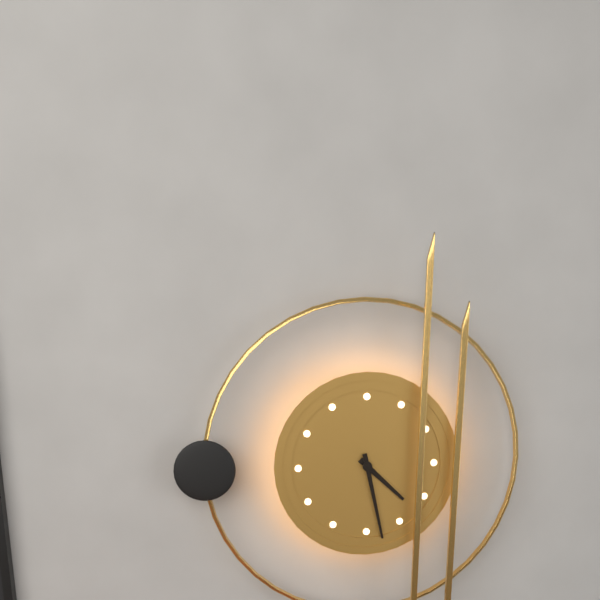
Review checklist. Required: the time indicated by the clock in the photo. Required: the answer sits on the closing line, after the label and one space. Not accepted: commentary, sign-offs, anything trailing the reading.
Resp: 4:28
